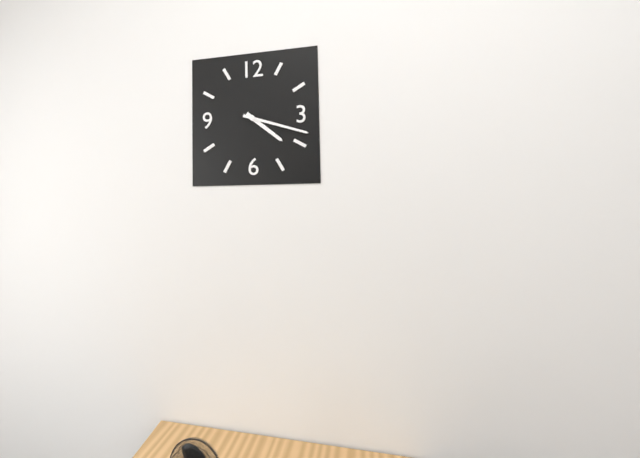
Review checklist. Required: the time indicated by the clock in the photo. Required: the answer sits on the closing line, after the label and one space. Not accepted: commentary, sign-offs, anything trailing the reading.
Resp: 4:18
